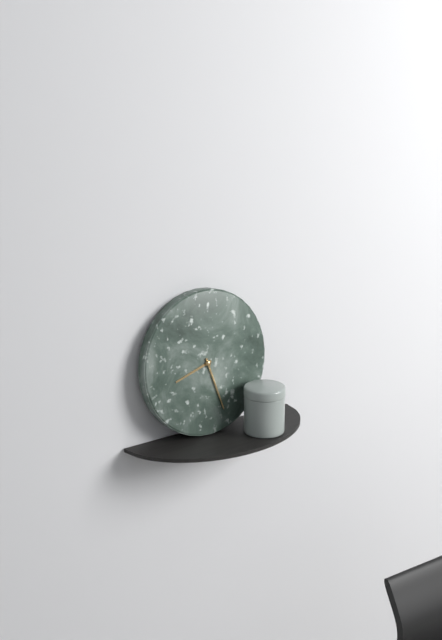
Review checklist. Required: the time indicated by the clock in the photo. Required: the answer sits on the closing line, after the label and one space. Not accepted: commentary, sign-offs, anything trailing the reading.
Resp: 8:27
